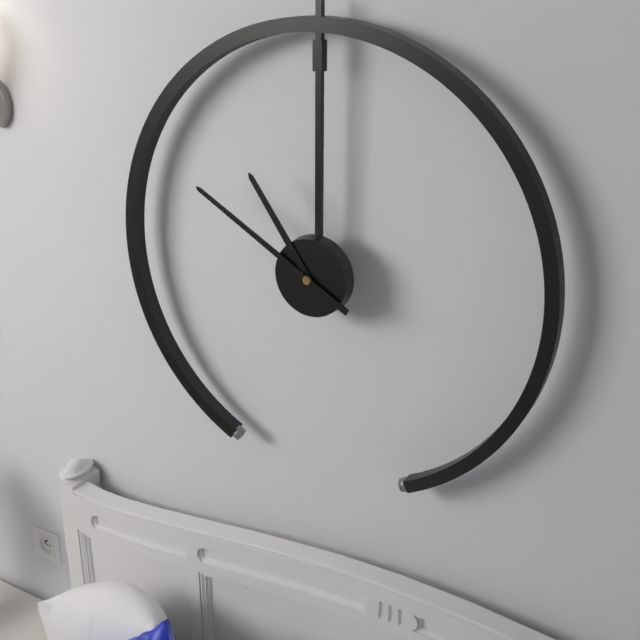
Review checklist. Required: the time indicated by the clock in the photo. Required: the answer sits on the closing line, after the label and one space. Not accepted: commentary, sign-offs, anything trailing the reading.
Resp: 10:50
